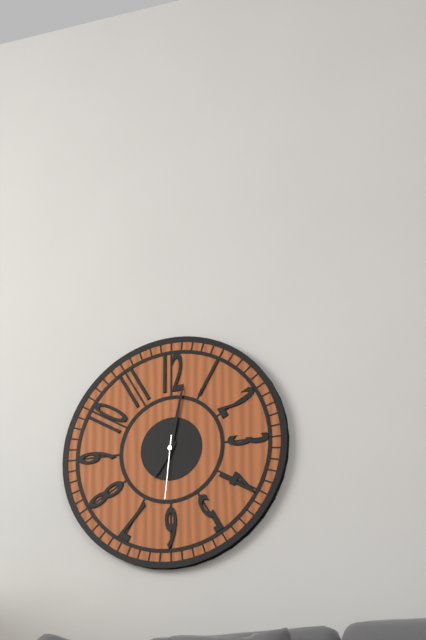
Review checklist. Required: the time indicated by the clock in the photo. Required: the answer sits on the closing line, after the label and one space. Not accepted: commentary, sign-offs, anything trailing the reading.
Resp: 7:02:31
